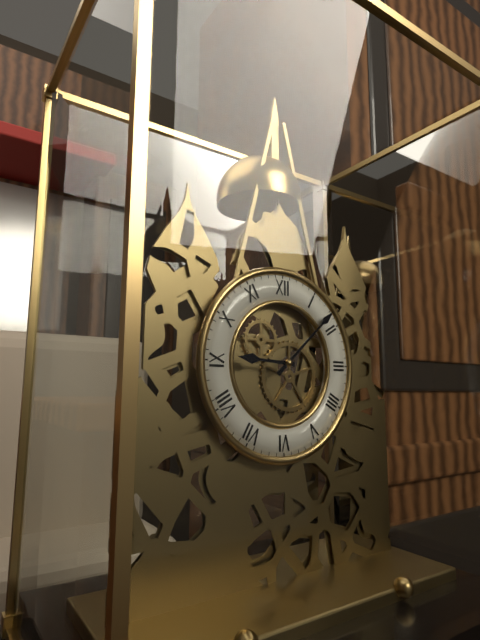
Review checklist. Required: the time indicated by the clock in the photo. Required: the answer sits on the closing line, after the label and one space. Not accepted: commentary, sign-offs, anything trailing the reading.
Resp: 9:08
